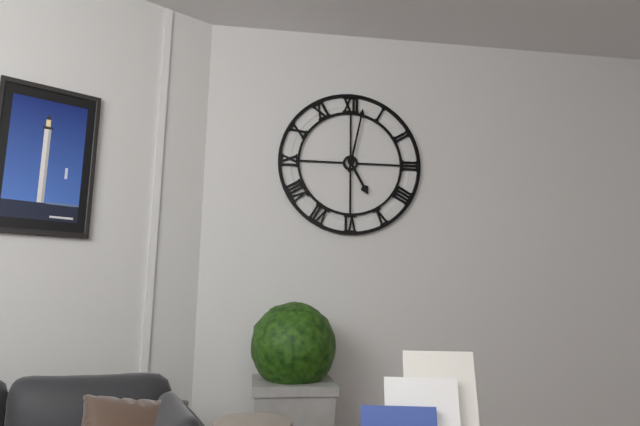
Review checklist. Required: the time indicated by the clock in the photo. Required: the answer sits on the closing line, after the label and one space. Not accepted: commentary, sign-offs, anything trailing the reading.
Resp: 5:02
